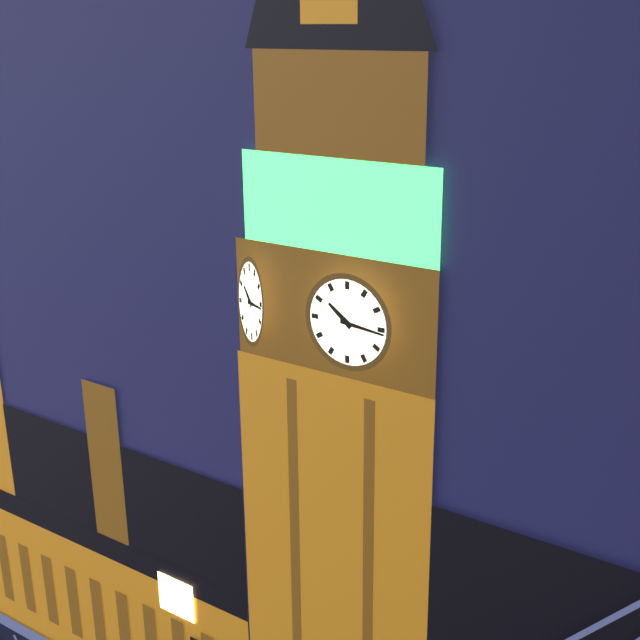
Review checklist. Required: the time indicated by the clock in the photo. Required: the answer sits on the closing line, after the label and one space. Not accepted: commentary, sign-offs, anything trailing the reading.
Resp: 10:16
